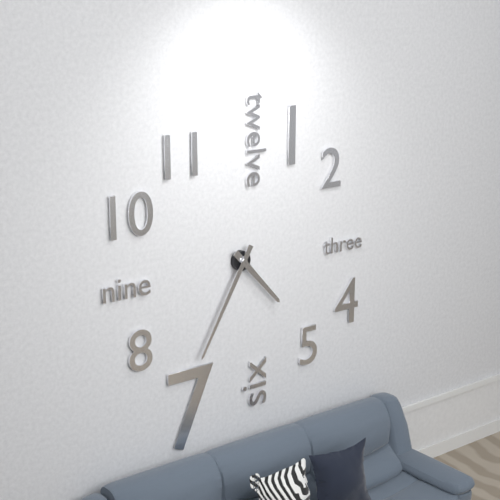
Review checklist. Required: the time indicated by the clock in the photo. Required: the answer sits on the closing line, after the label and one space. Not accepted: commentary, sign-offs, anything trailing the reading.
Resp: 4:35
